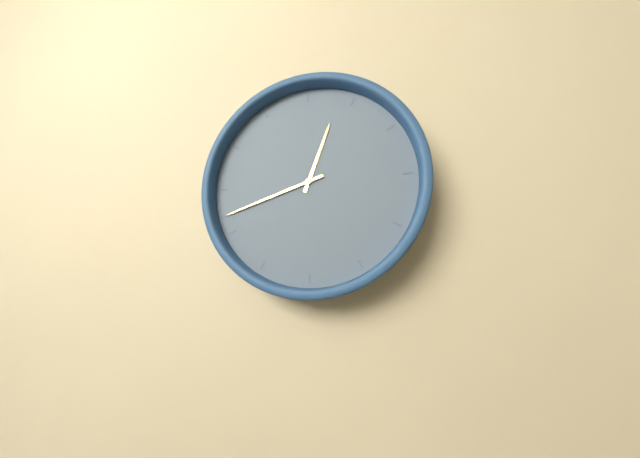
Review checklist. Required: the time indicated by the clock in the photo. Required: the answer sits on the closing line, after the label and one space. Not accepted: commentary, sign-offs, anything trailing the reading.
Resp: 12:42
